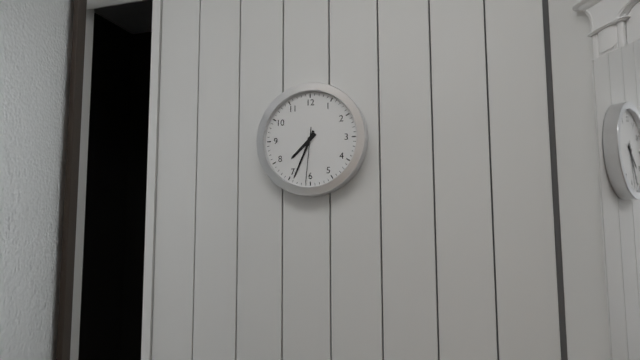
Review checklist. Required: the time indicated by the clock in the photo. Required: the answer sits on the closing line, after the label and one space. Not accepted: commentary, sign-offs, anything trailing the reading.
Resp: 7:34:31
